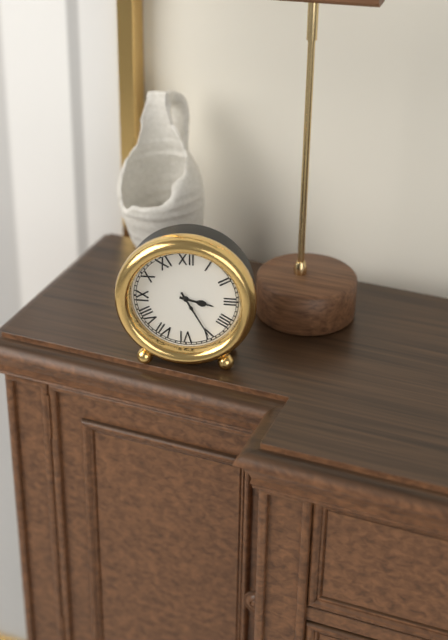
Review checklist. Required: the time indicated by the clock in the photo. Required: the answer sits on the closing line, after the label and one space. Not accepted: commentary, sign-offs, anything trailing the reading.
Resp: 3:25
